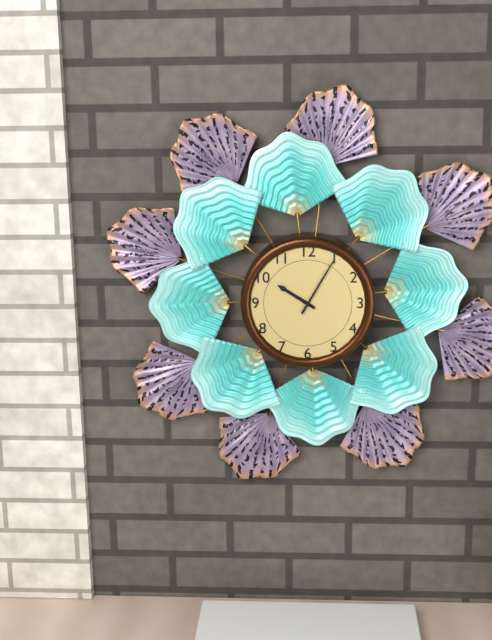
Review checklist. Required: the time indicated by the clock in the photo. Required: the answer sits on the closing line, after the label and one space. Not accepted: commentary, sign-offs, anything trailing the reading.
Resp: 10:05
